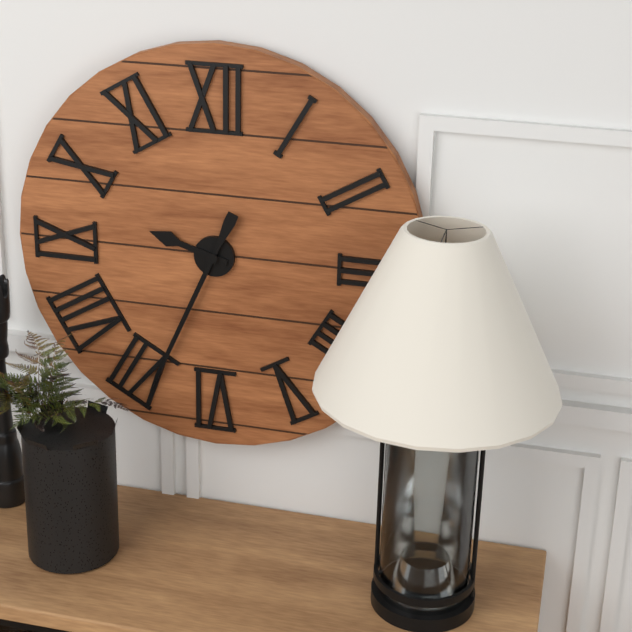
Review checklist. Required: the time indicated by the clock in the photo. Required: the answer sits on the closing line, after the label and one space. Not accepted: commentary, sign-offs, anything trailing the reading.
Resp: 9:34
